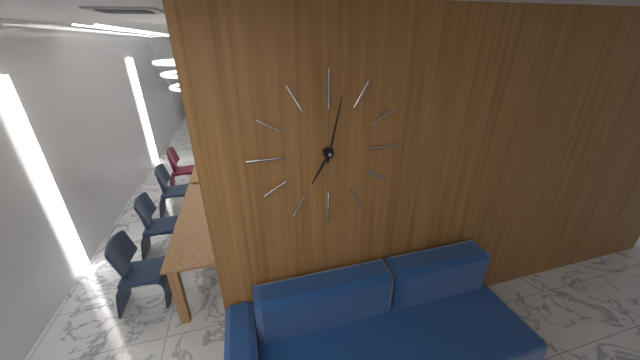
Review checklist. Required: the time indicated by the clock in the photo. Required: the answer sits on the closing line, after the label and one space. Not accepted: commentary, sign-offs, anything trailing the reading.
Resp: 7:02
